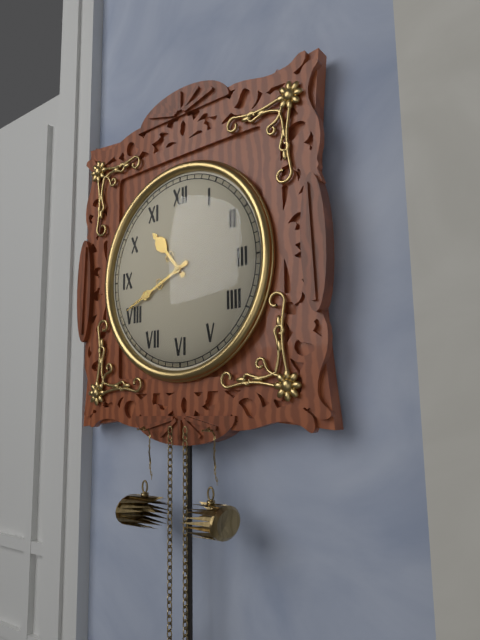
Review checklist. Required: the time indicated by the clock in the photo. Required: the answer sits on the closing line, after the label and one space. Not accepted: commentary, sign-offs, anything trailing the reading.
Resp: 10:41
